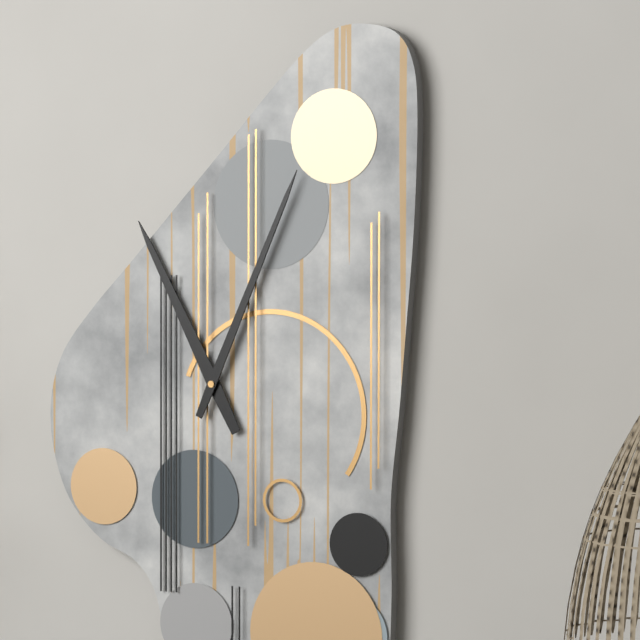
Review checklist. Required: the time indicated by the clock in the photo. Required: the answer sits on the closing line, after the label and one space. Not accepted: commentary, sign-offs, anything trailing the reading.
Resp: 11:04
